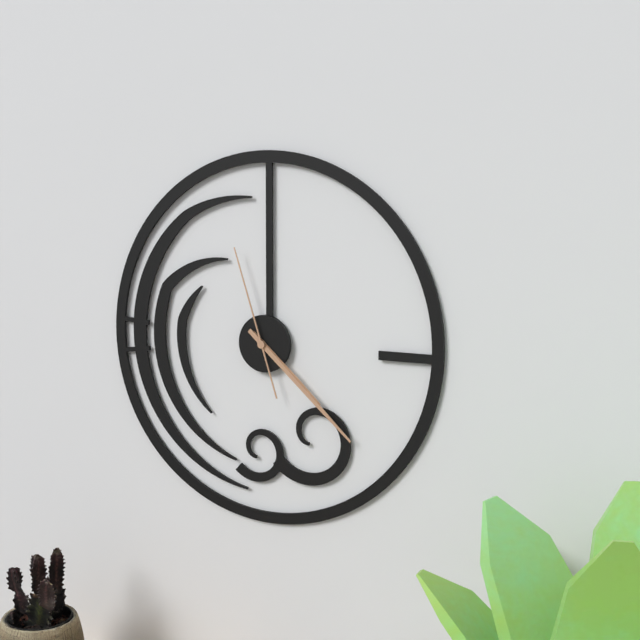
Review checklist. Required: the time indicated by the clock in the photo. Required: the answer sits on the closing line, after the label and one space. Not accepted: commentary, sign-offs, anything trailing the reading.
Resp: 4:22:57
